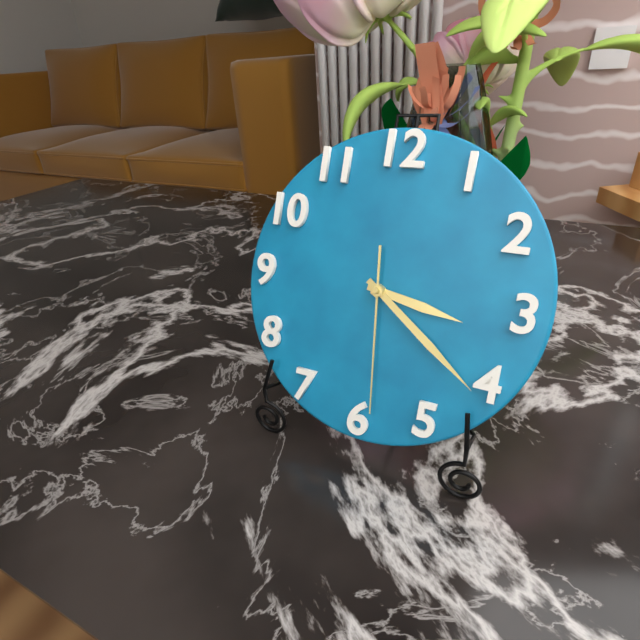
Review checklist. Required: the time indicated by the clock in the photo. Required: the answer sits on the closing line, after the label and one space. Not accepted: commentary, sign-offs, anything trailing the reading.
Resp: 3:21:29
